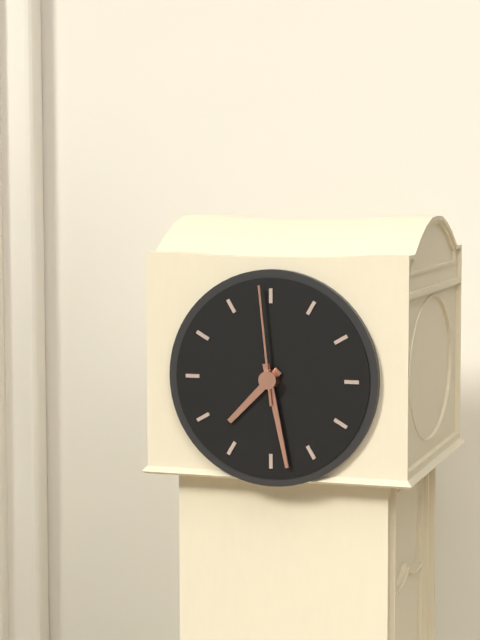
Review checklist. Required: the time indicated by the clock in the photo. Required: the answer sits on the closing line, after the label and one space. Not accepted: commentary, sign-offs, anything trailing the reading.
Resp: 7:28:59
